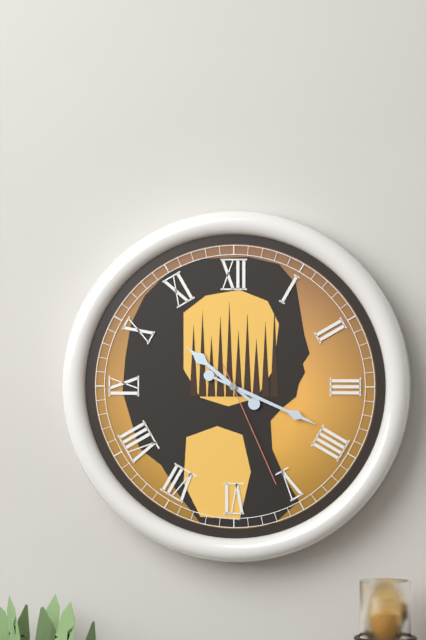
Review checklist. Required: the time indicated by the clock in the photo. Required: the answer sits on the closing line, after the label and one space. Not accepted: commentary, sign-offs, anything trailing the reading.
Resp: 10:19:26
